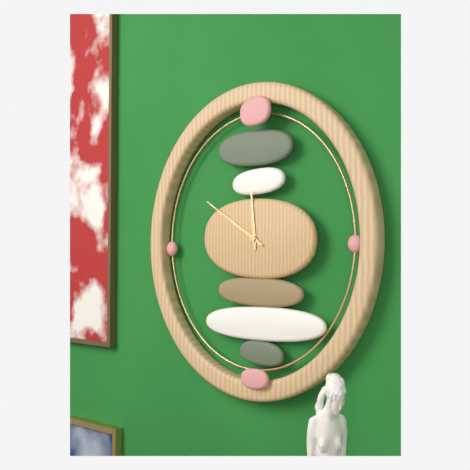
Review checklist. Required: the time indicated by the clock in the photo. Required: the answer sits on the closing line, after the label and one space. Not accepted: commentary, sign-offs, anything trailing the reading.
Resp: 11:50
